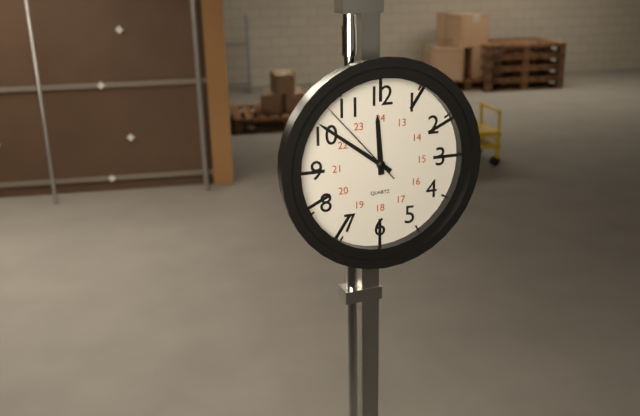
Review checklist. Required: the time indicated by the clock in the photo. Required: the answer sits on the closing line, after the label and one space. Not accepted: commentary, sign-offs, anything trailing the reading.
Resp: 11:51:53
